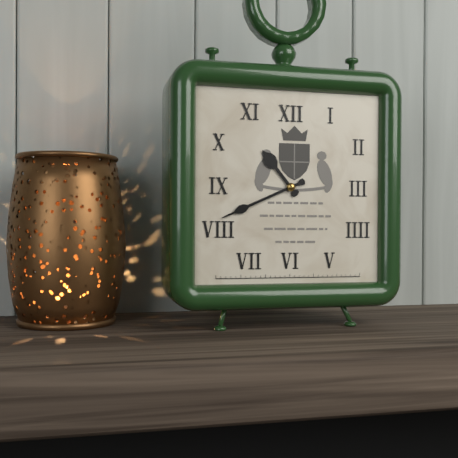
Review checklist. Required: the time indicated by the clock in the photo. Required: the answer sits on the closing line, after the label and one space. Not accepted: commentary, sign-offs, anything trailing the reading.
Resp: 10:41
